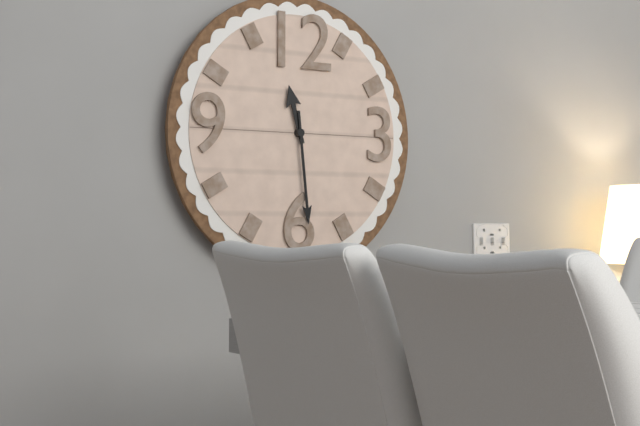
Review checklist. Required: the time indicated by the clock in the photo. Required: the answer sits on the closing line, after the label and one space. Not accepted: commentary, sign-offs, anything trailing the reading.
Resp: 11:29
